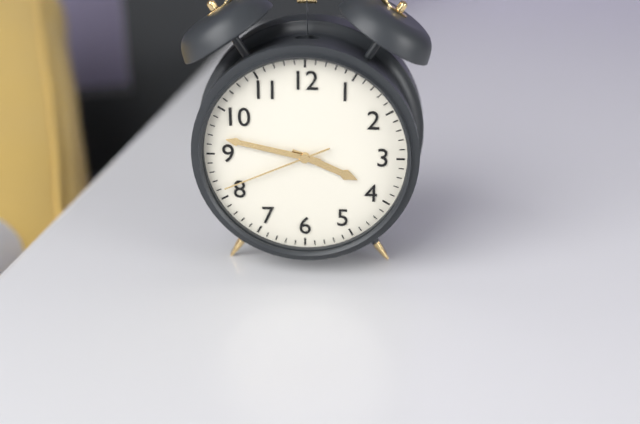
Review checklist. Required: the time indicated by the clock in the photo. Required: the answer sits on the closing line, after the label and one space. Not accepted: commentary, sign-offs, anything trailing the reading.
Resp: 3:47:41
